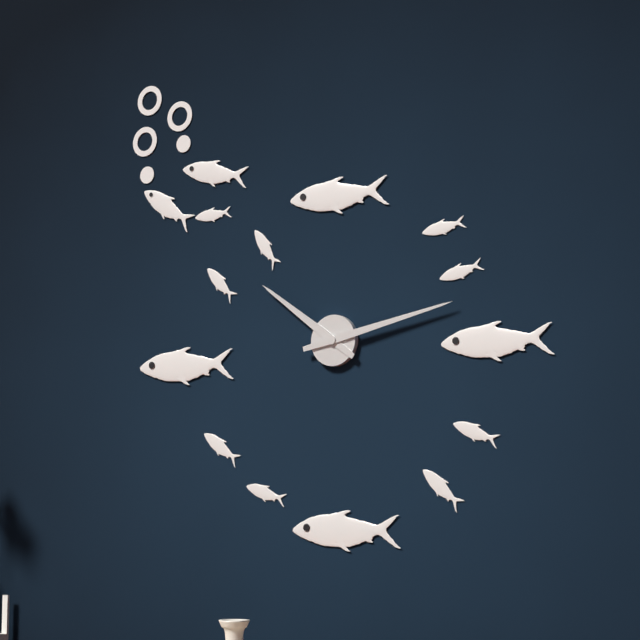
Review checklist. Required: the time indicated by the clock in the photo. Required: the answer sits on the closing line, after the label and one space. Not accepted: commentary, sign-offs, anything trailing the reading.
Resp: 10:13
